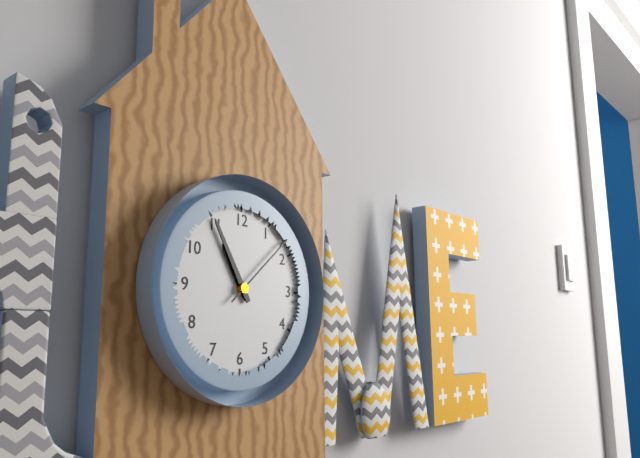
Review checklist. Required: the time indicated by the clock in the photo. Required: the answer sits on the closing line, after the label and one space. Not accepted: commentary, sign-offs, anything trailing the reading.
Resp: 10:55:08
